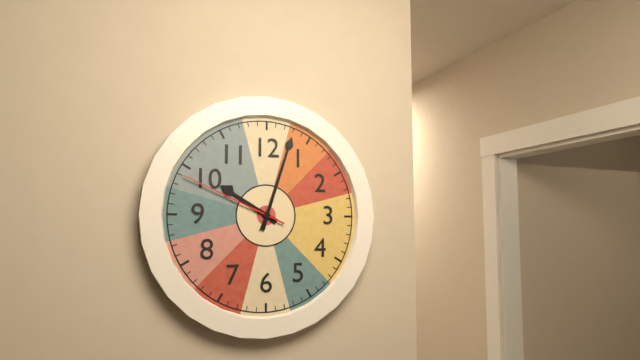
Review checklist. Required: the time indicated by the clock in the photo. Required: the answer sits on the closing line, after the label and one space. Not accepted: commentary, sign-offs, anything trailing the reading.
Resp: 10:03:49
